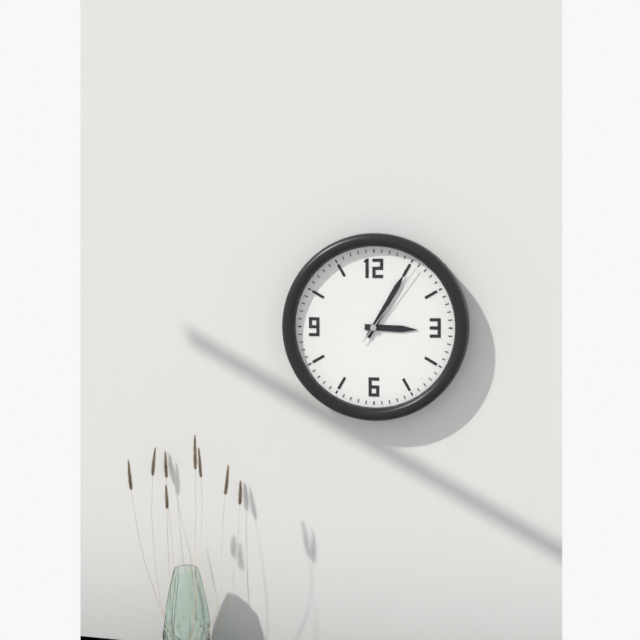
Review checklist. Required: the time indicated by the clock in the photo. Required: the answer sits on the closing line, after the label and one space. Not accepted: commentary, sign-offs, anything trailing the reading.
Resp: 3:05:06
